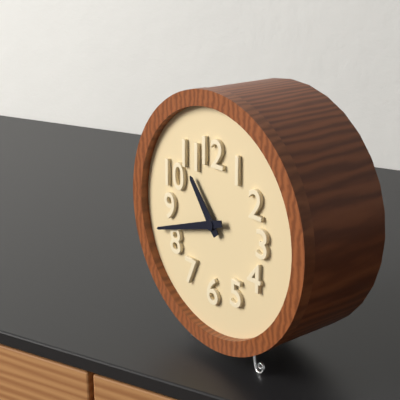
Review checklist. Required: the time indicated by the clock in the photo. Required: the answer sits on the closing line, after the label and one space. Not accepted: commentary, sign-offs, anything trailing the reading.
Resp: 10:42
